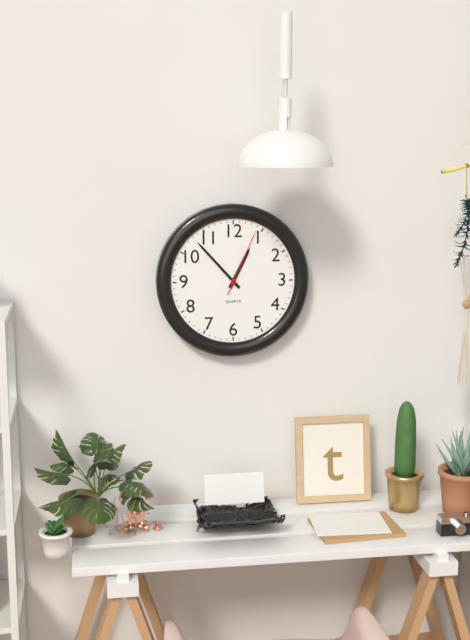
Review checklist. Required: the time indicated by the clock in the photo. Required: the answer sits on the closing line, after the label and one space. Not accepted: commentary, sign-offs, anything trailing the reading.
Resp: 12:53:04
